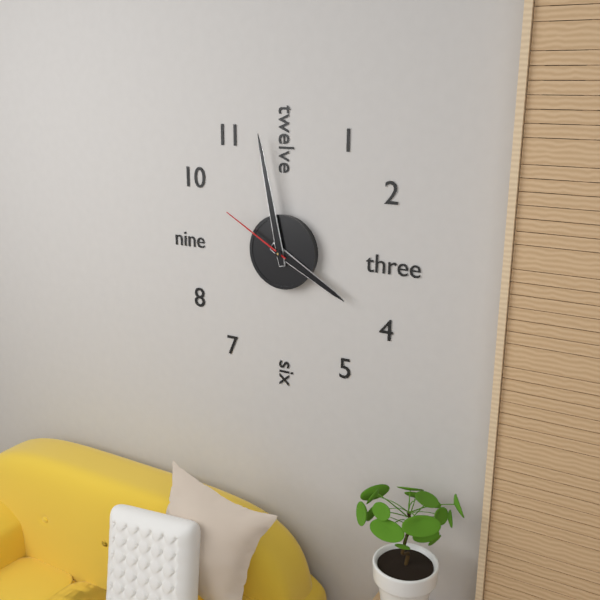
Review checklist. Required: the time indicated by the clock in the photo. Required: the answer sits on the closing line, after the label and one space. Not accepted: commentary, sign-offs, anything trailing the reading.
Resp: 3:58:50
